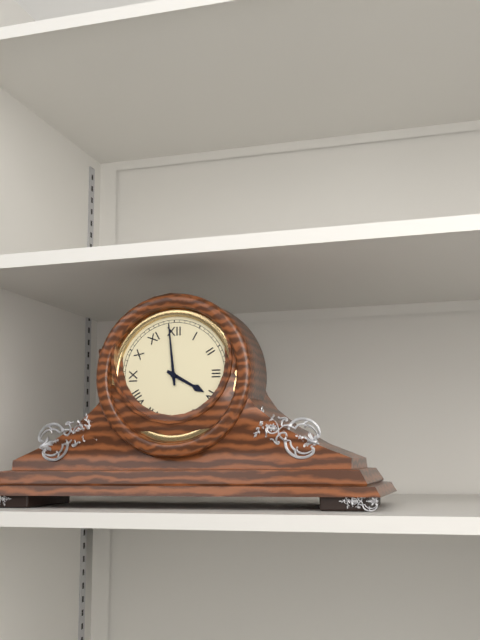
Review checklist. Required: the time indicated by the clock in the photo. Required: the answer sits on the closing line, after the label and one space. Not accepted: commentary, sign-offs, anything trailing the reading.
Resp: 3:59
